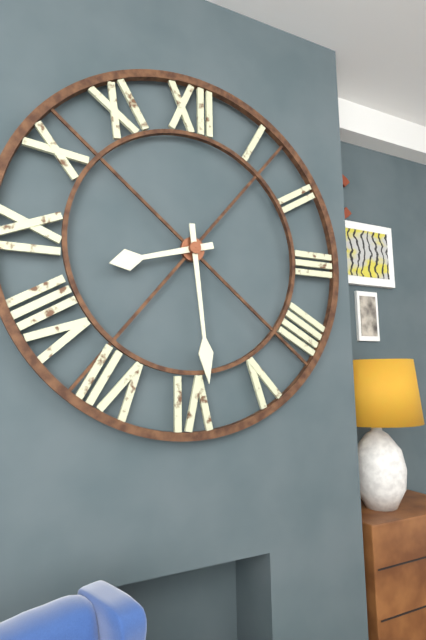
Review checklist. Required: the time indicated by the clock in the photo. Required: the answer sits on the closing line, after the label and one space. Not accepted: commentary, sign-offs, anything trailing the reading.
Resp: 8:29
